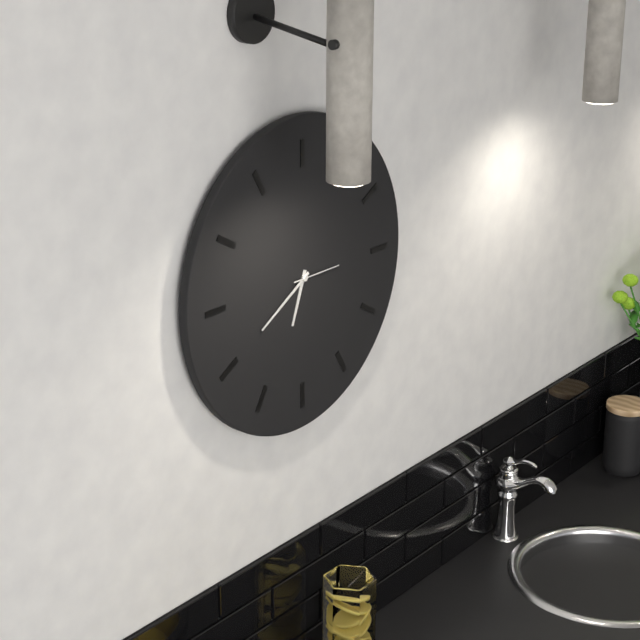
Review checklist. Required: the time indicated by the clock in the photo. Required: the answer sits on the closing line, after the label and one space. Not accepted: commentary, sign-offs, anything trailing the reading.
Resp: 6:40
